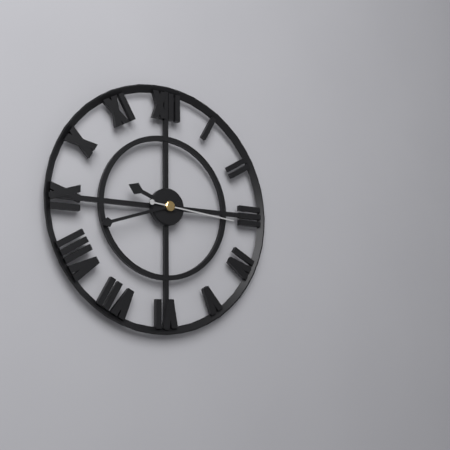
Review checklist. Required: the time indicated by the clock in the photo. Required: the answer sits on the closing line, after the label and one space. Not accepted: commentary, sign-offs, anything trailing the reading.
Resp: 9:42:16
